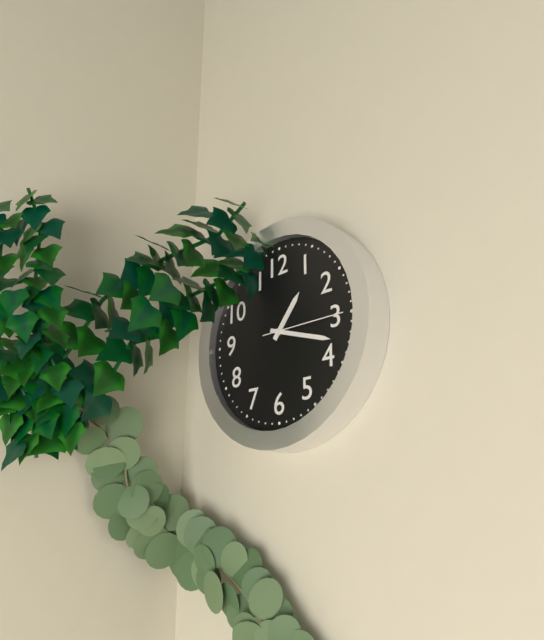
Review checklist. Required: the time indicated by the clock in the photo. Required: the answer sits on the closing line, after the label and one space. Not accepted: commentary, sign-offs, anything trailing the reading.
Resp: 1:18:15
